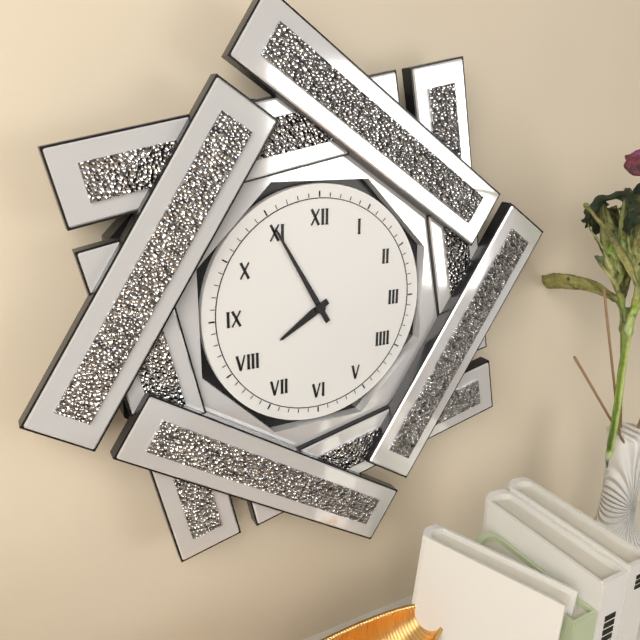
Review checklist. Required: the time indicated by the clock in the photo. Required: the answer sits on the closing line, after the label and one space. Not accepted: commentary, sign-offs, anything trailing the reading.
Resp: 7:55
